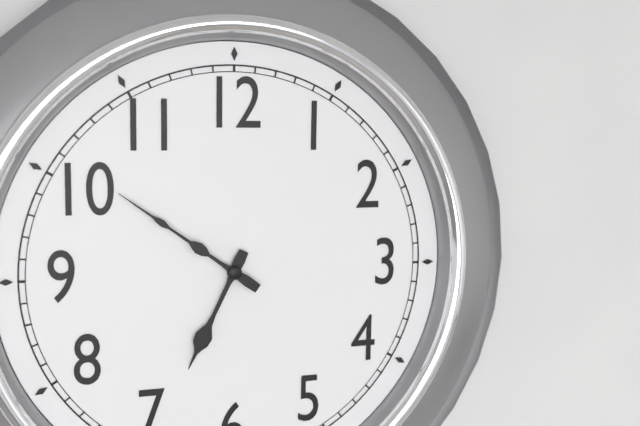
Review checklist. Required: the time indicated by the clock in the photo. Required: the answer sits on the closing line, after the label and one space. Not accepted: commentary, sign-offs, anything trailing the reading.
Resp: 6:51
